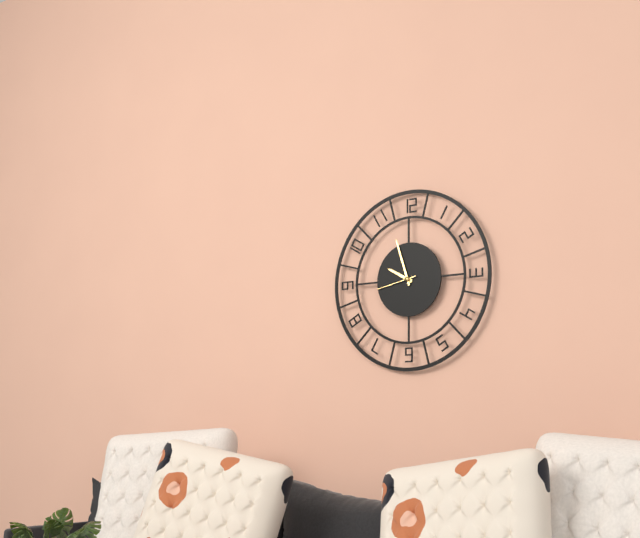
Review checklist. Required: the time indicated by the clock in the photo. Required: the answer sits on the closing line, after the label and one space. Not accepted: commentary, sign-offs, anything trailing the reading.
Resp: 9:57
